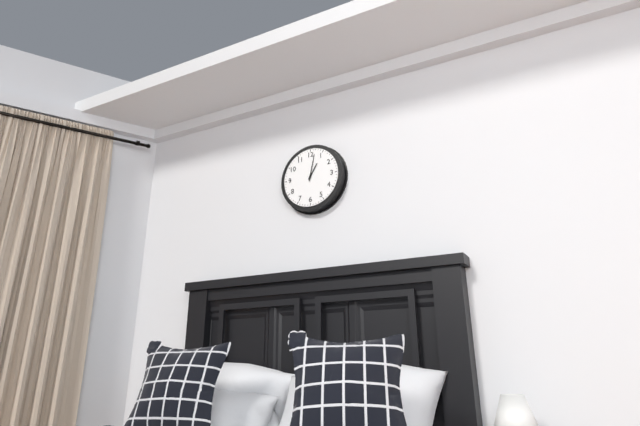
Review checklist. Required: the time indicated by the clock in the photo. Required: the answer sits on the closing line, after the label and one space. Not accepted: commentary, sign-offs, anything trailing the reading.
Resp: 1:02
